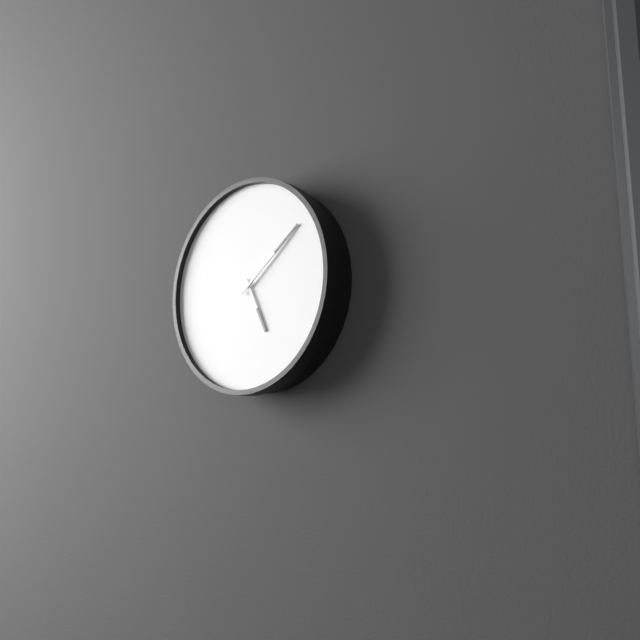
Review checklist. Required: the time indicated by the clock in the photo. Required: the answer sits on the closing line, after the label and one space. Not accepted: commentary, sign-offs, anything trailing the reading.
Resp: 5:09
